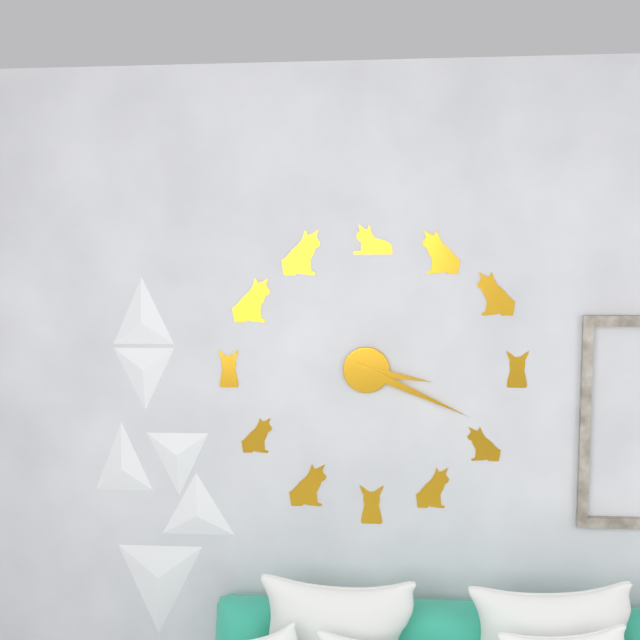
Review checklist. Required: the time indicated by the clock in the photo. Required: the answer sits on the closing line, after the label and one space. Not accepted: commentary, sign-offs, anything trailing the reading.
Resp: 3:19
